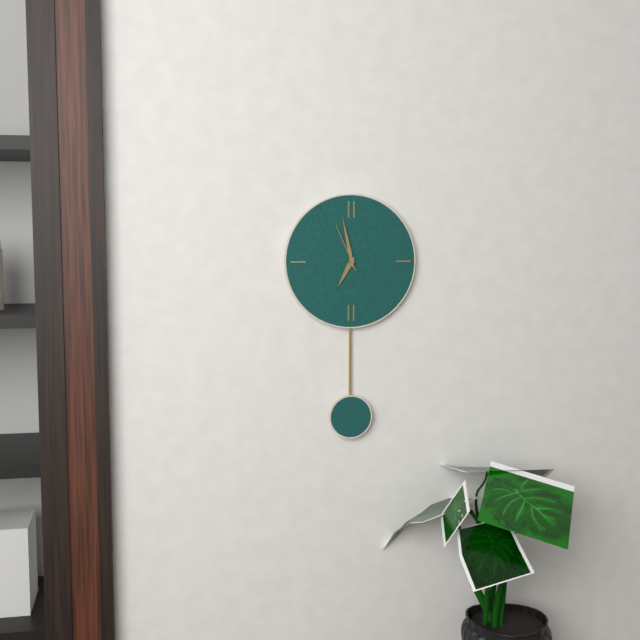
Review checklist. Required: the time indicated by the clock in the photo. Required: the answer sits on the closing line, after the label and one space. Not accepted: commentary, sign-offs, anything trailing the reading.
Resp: 6:58
